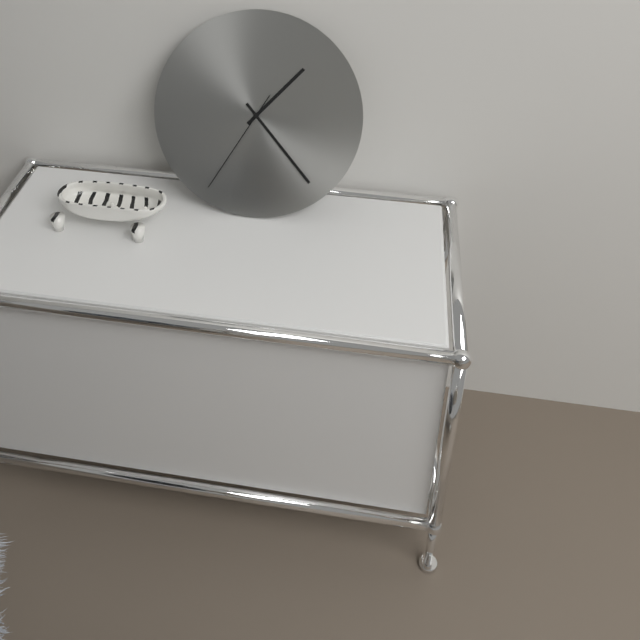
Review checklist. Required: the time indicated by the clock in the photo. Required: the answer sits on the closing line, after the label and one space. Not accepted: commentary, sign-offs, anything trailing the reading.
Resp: 1:23:35
